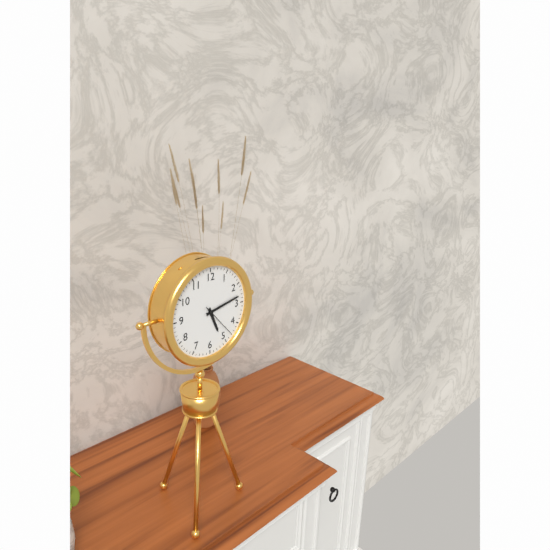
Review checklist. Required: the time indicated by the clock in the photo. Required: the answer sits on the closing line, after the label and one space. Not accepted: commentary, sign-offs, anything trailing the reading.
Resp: 5:13
